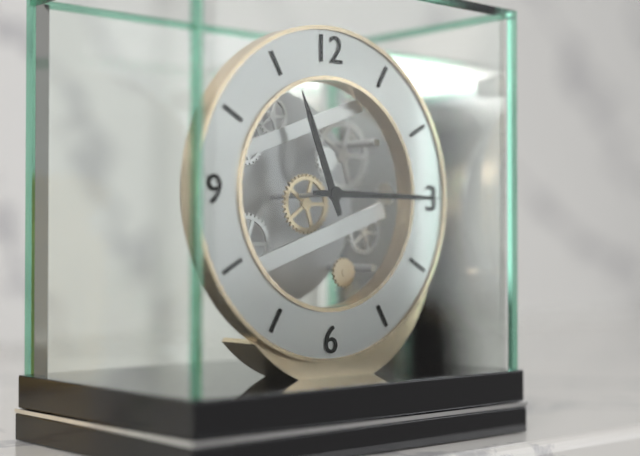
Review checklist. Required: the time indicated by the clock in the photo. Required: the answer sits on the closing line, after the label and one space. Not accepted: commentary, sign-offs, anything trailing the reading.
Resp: 11:15
